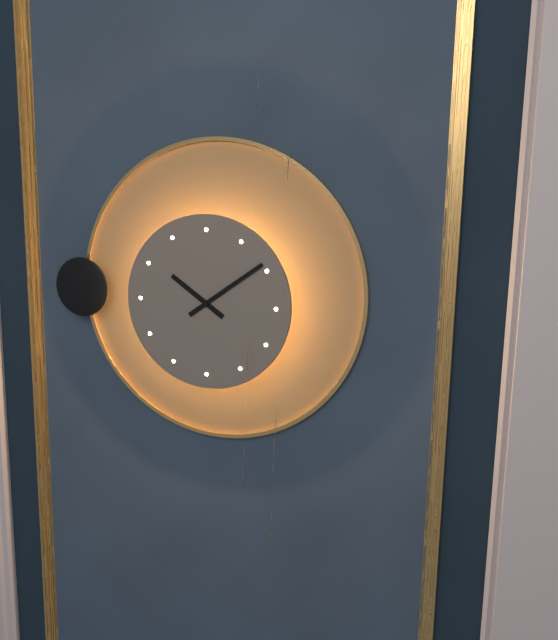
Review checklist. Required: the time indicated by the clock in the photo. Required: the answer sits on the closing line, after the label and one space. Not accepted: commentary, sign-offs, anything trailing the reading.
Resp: 10:09
